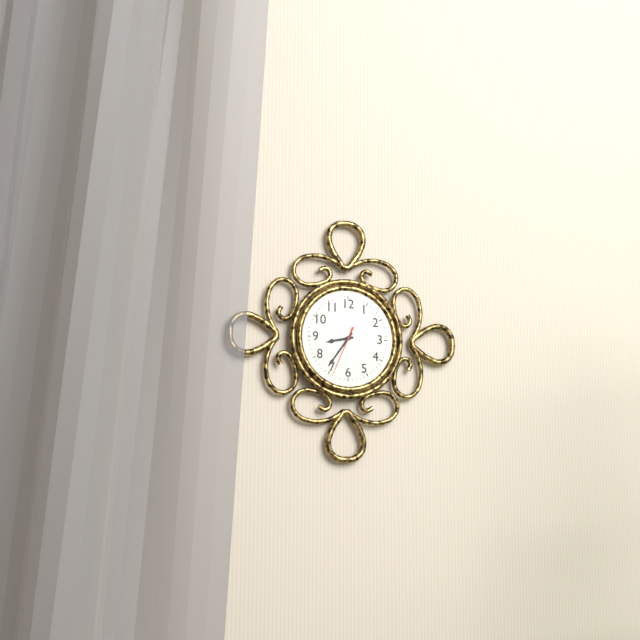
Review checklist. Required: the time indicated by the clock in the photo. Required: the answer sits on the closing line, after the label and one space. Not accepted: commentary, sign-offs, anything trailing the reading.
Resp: 8:36
